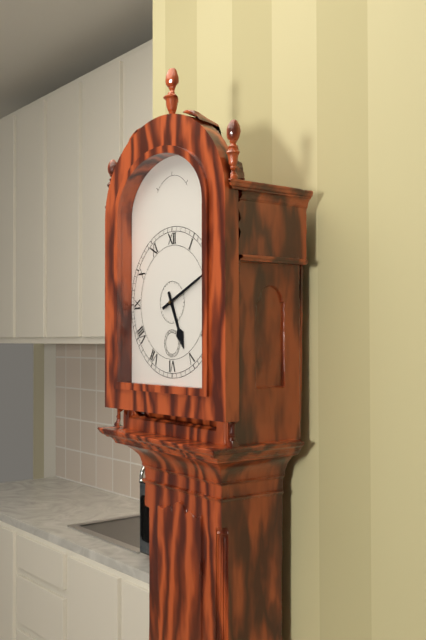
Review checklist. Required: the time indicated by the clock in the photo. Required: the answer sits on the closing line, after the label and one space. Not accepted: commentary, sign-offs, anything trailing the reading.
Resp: 5:11
